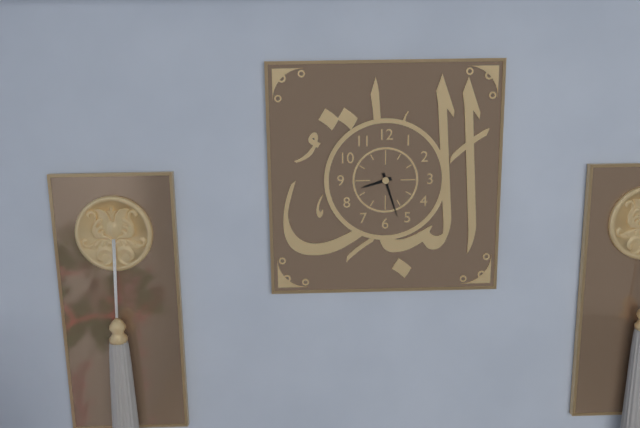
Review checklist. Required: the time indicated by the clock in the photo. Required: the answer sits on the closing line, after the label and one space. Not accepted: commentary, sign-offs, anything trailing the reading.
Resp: 8:27
